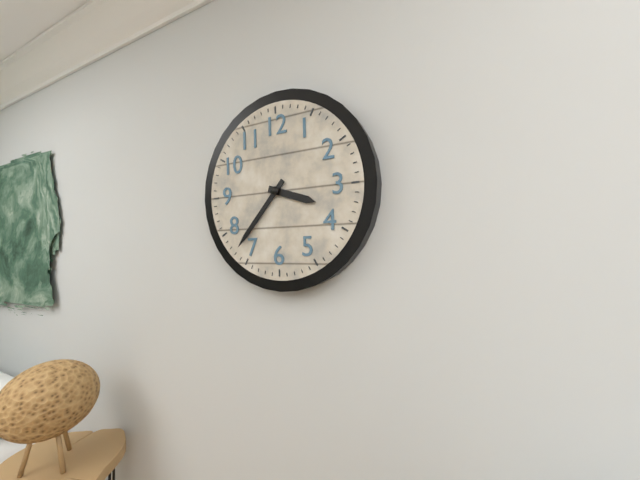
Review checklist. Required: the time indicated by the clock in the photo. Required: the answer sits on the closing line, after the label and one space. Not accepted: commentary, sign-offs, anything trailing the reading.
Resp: 3:37
